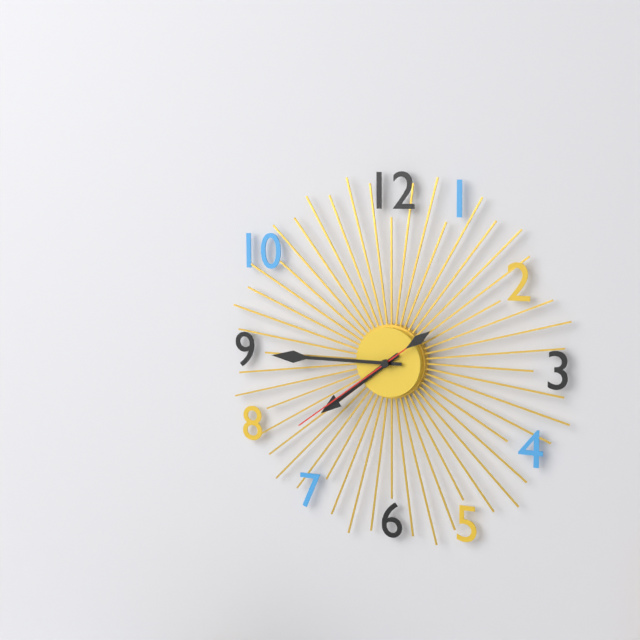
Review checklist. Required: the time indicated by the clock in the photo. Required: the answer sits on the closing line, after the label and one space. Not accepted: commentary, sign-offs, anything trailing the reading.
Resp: 7:45:39
